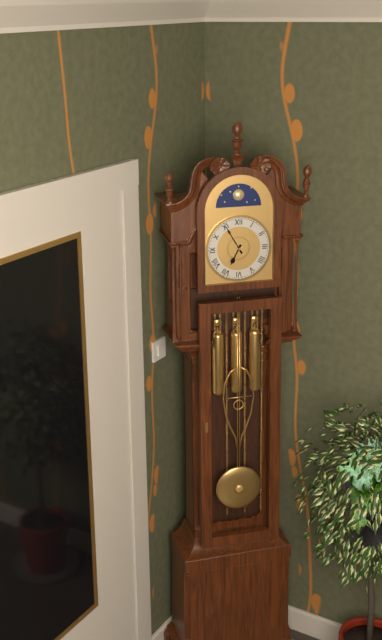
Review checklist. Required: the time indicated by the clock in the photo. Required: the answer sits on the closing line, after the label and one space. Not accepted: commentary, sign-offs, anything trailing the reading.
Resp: 6:55
